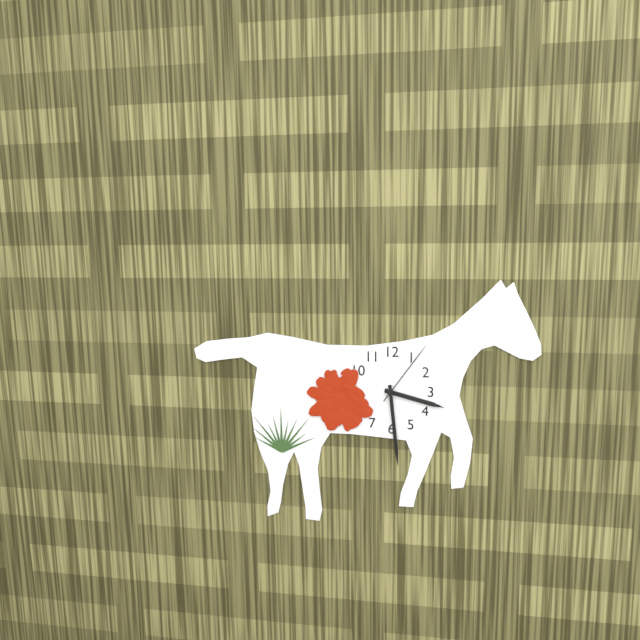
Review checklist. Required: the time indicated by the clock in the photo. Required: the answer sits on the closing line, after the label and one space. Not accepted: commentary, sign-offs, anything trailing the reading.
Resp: 3:29:06
